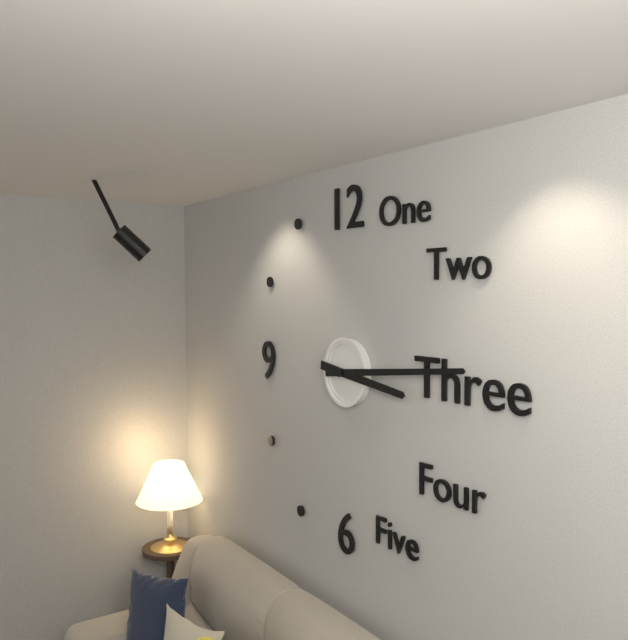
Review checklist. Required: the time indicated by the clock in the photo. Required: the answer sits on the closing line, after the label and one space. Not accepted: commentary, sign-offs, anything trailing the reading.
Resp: 3:14
